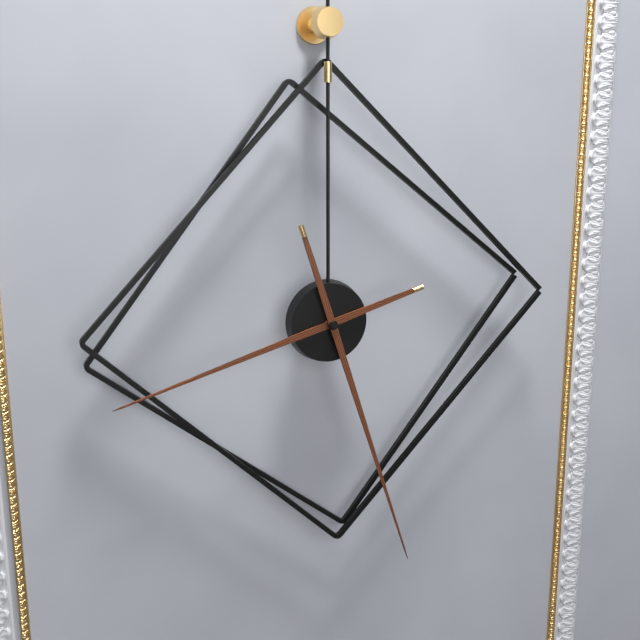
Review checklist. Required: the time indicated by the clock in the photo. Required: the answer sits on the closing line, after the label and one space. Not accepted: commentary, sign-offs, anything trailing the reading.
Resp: 8:27
